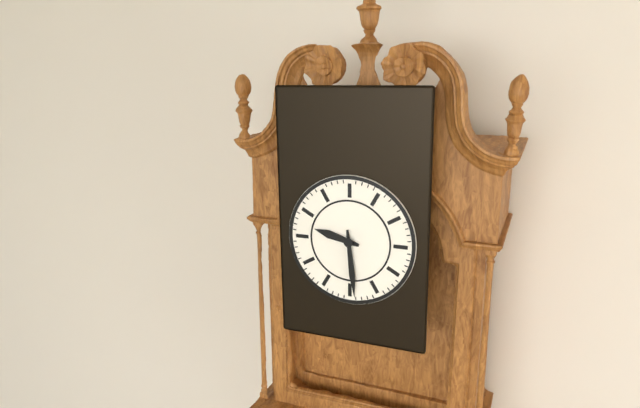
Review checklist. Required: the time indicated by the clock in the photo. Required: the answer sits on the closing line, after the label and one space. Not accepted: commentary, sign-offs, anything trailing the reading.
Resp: 9:29
